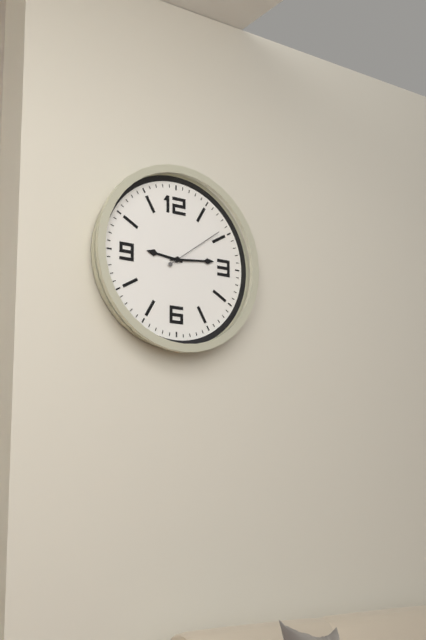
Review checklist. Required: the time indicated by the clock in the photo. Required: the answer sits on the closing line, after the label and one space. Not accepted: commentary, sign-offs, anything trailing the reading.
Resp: 9:14:09
